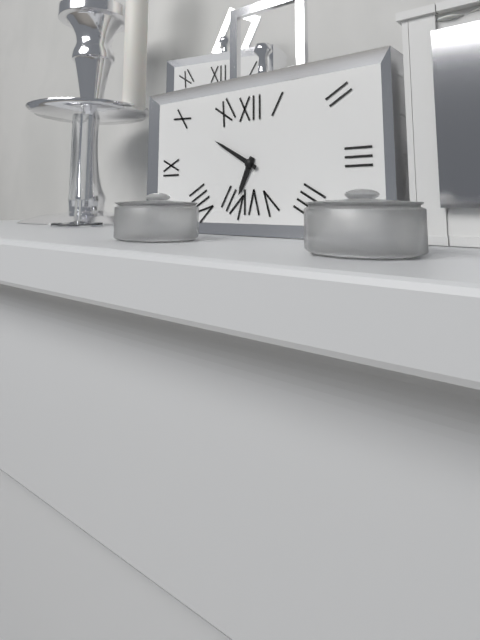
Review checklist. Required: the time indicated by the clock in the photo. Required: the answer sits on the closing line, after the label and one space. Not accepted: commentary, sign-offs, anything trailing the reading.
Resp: 6:50
